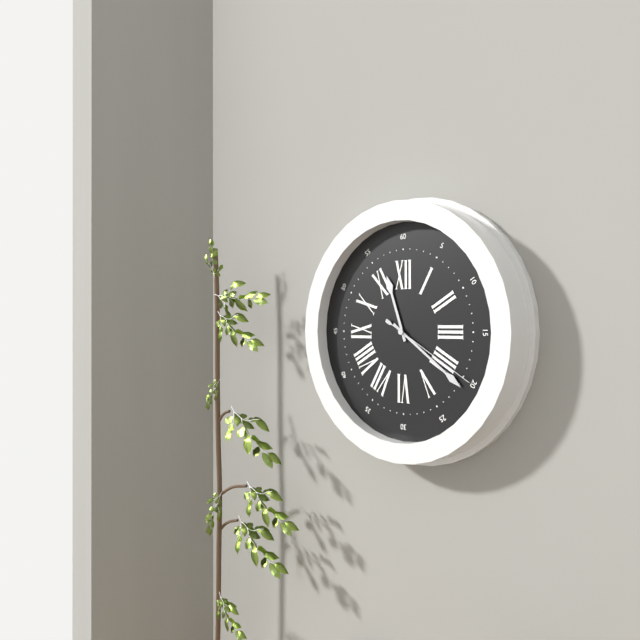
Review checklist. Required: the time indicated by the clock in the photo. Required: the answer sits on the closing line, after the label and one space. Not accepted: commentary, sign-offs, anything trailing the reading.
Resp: 11:21:20
